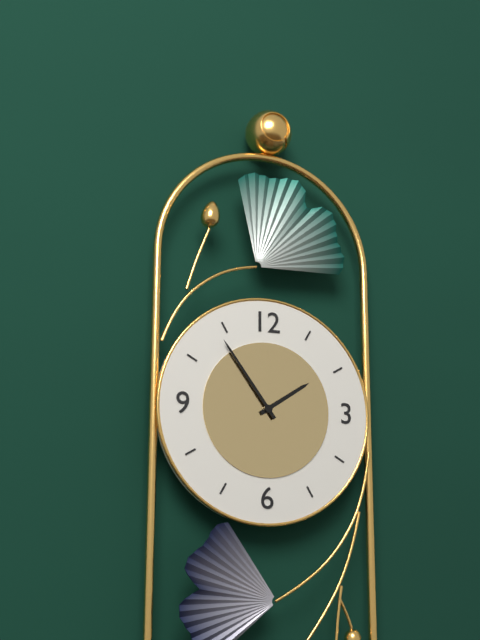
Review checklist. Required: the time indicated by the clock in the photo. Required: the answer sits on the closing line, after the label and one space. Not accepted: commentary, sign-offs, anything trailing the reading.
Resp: 1:54
